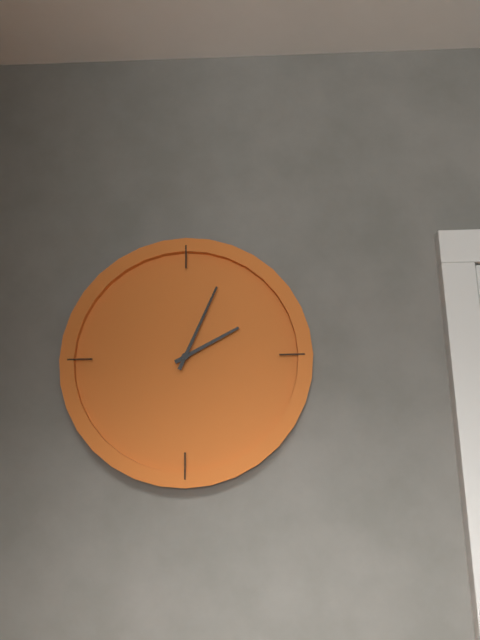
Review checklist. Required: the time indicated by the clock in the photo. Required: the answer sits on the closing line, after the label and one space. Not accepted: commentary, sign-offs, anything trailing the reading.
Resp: 2:04
